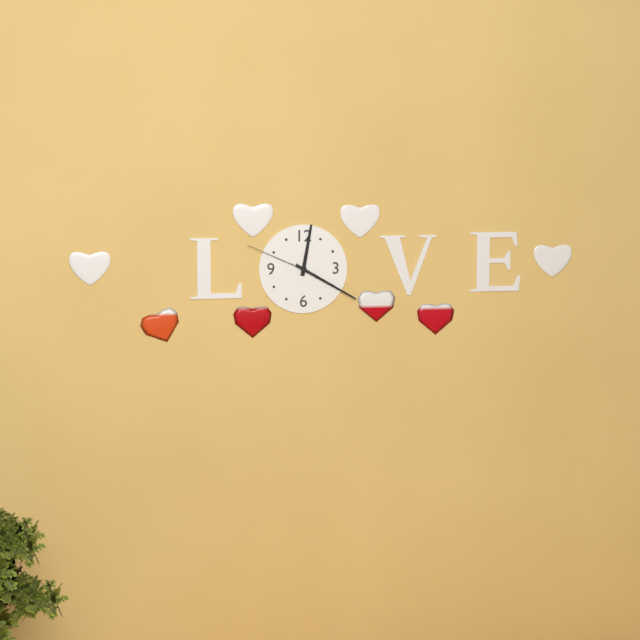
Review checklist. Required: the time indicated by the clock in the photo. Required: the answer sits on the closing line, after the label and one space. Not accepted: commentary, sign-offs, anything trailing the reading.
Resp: 12:20:49
